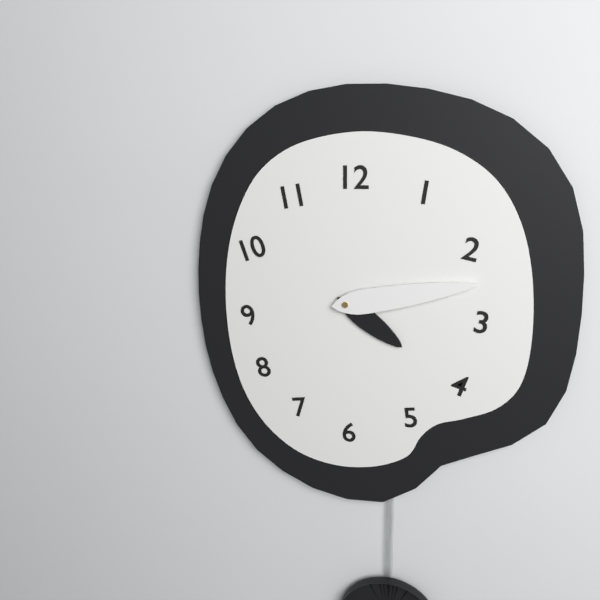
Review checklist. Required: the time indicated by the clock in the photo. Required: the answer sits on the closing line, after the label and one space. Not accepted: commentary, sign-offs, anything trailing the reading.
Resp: 4:13
